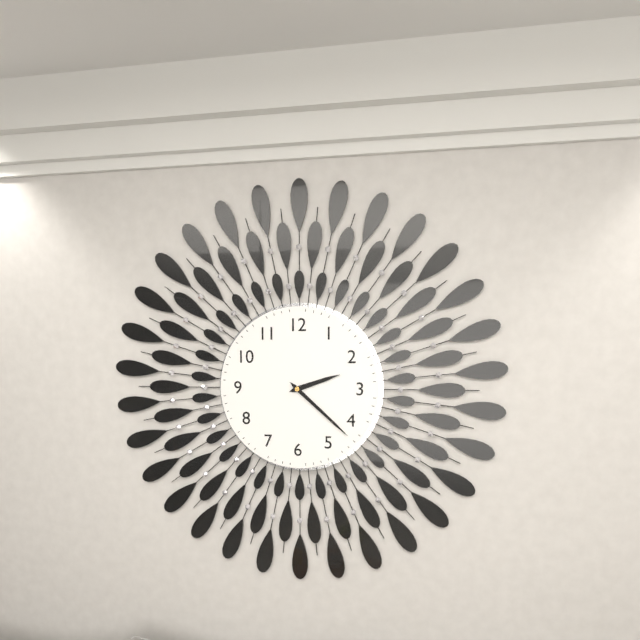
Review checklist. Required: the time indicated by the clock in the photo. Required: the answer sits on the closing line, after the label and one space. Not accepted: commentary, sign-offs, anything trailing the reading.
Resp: 2:22
